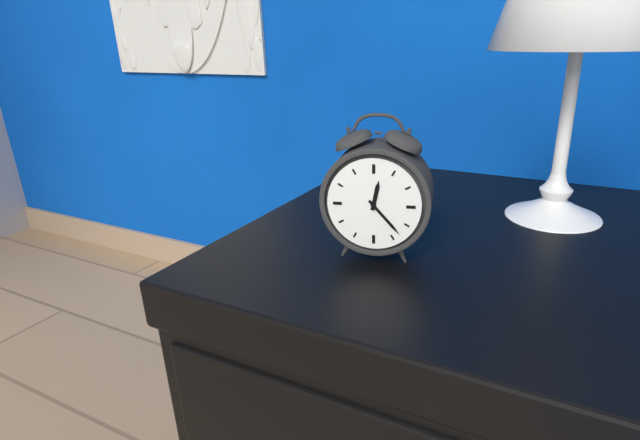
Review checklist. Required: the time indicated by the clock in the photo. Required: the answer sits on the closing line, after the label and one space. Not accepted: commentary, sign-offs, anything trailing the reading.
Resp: 12:23
